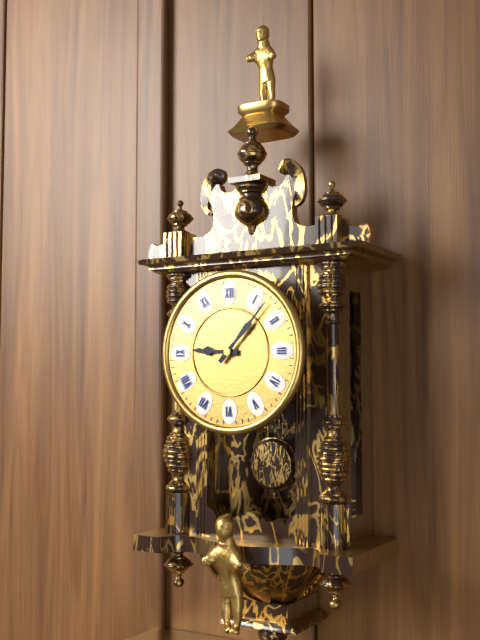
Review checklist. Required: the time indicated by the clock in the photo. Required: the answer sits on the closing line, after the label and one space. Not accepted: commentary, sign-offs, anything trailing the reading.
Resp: 9:07
